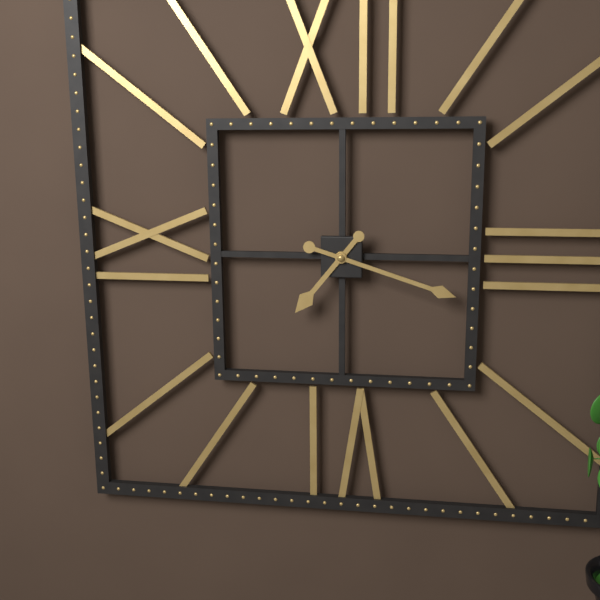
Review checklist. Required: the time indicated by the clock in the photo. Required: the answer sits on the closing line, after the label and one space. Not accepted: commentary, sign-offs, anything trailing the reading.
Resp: 7:18
